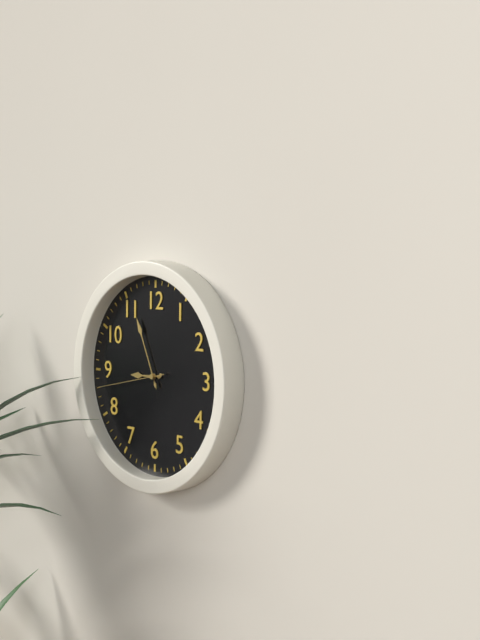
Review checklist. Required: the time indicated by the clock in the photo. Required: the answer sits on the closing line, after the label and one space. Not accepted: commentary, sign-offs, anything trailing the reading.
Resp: 8:56:43
